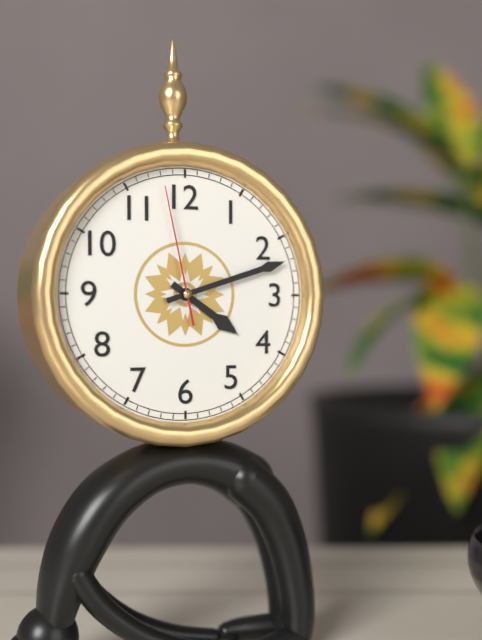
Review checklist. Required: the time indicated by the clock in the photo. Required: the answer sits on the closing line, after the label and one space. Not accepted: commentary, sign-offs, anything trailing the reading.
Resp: 4:12:58
